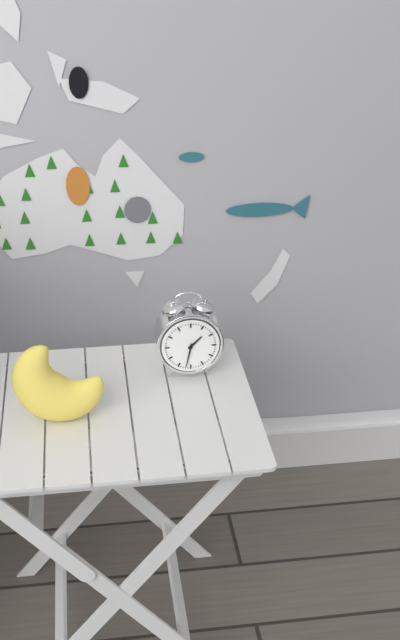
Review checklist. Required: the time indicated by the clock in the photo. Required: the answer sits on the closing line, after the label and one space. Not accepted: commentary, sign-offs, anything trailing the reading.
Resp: 1:32
